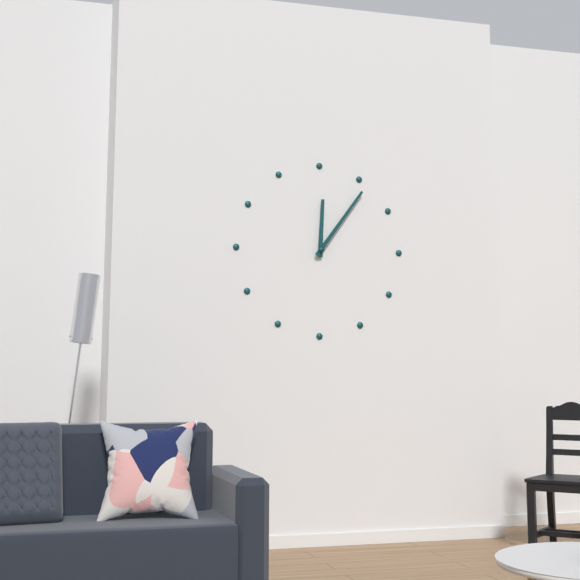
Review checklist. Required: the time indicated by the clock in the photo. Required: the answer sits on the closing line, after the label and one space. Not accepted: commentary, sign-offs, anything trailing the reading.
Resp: 12:06
